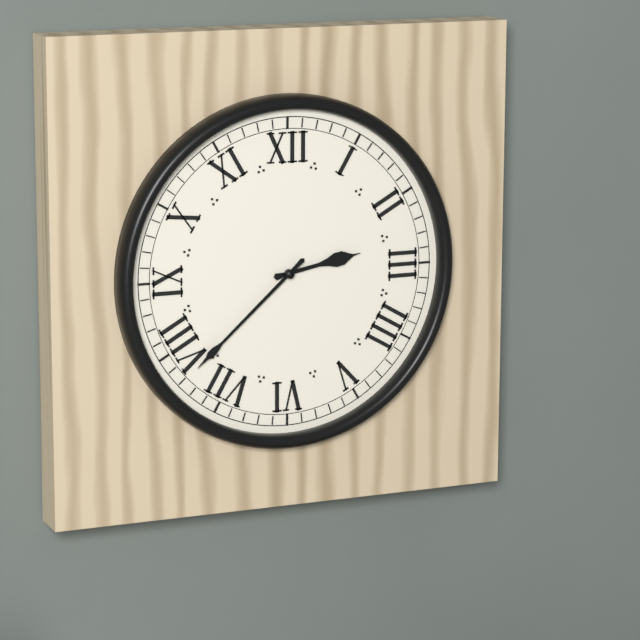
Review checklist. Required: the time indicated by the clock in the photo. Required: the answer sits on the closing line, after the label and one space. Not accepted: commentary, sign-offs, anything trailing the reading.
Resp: 2:38
